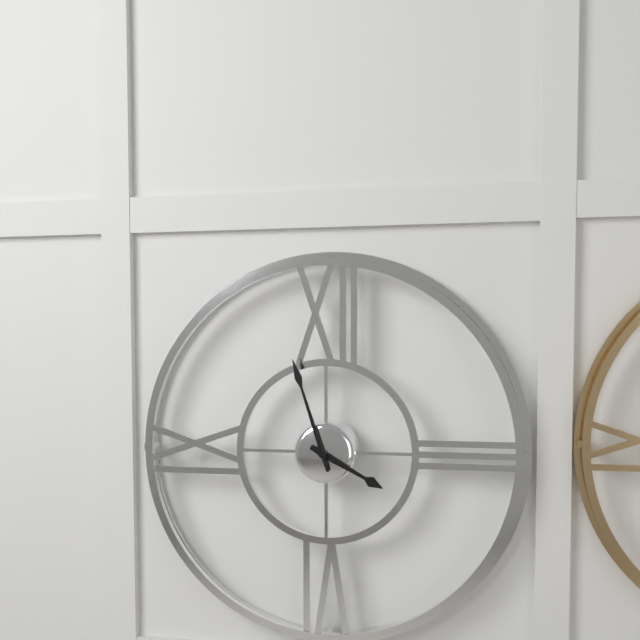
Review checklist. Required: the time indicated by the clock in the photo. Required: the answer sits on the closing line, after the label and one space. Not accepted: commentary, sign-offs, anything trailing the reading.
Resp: 3:57
